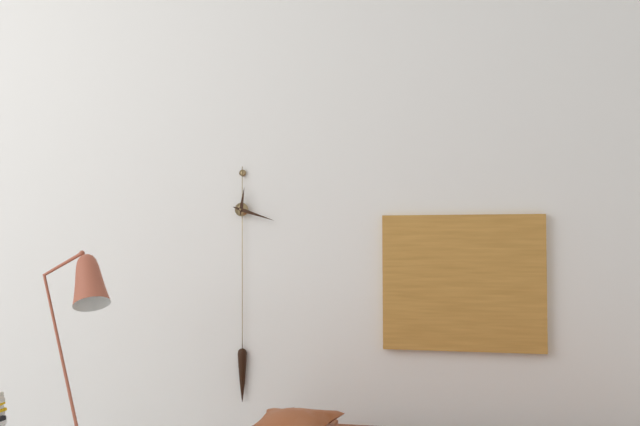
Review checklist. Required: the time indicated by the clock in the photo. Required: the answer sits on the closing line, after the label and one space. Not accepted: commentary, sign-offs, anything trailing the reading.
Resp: 12:18
